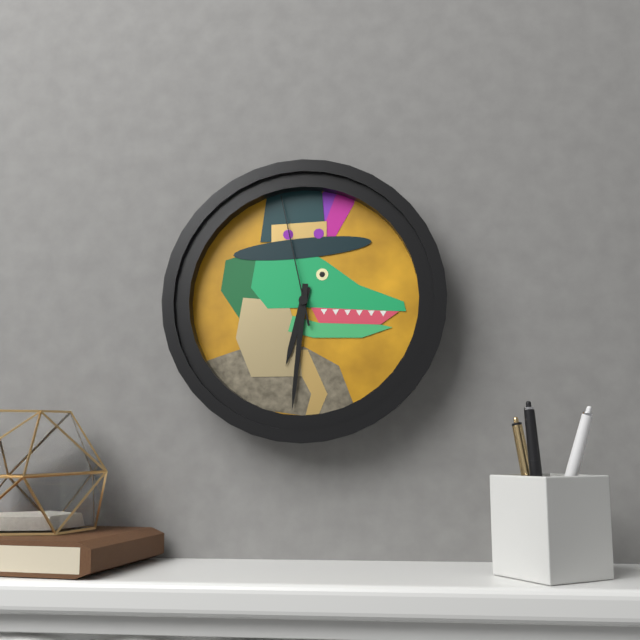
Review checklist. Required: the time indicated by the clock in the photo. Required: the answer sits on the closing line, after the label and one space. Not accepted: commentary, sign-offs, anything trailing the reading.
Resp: 6:31:58
